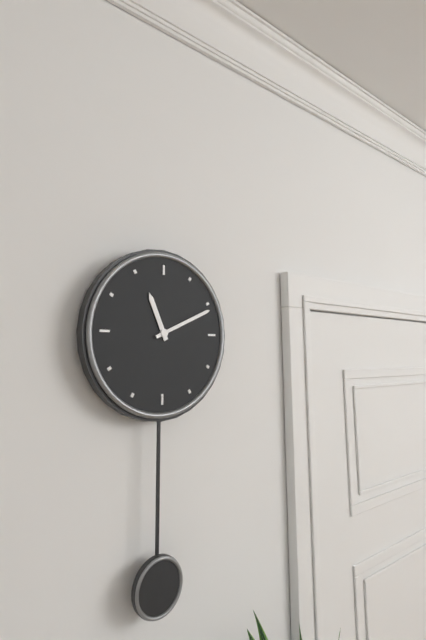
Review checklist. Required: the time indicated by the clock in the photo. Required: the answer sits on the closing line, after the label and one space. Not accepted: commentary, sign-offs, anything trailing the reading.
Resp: 11:11
